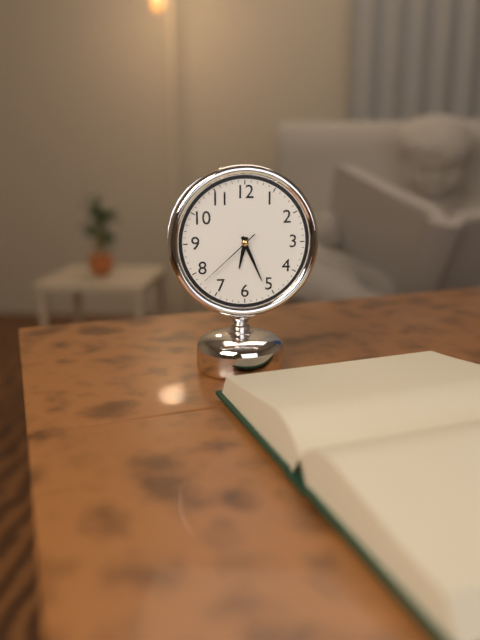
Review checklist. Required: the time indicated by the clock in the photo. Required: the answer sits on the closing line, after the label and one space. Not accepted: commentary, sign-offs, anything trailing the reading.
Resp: 6:26:38
